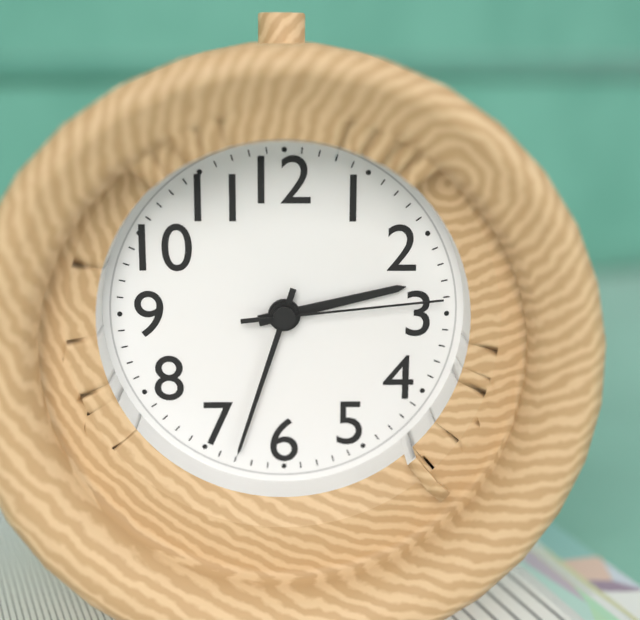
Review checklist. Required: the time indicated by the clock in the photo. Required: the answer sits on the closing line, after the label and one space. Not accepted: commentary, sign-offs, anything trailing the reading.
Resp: 2:33:14
